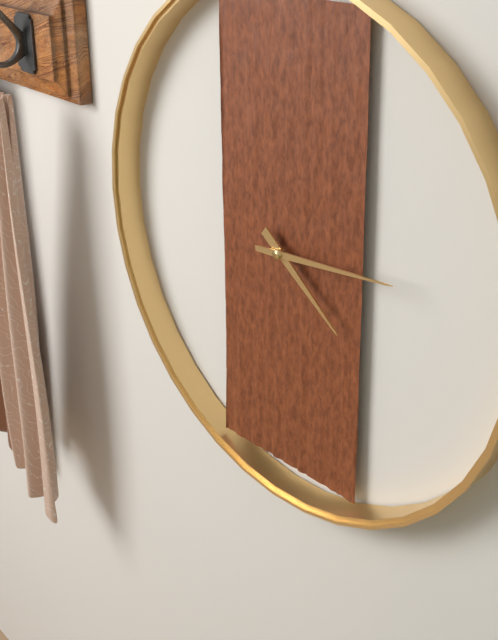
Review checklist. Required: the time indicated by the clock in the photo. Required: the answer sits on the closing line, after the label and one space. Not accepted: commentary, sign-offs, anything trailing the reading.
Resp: 4:14
